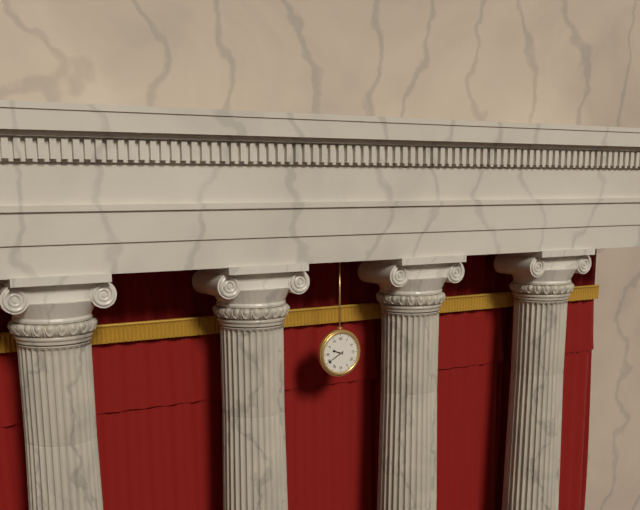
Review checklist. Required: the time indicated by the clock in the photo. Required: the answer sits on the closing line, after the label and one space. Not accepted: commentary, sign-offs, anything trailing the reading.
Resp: 9:40
